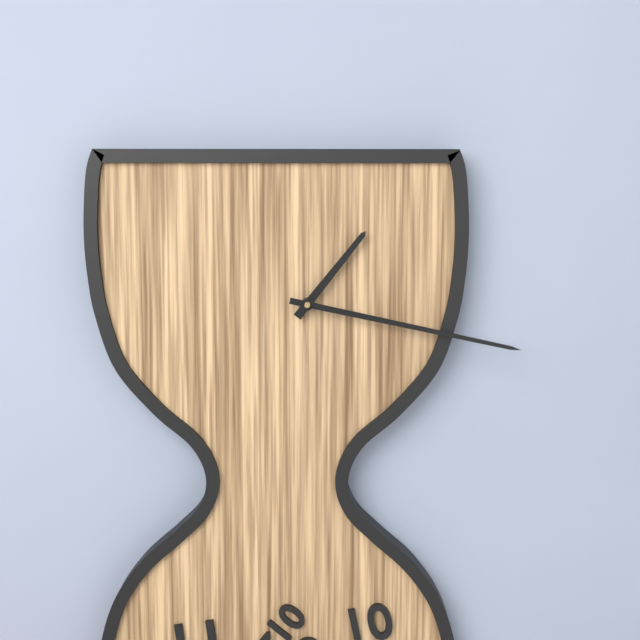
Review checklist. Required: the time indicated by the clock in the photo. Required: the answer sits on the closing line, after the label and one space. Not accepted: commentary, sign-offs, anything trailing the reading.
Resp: 1:17
